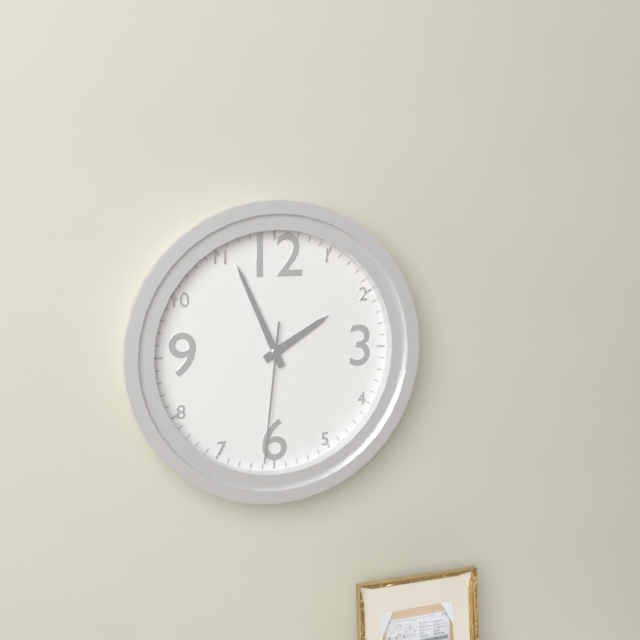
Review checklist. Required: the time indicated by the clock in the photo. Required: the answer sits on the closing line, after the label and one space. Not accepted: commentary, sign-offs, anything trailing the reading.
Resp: 1:56:31
